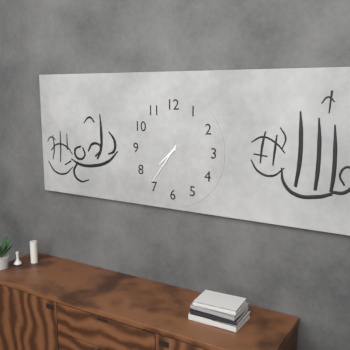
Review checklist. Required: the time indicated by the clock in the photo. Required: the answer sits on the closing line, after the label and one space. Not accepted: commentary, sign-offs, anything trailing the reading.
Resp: 7:36
